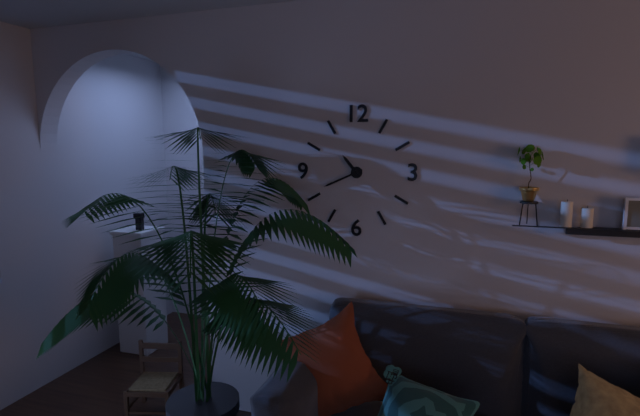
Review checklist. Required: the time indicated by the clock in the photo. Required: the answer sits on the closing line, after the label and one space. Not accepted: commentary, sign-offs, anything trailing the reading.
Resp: 10:41
